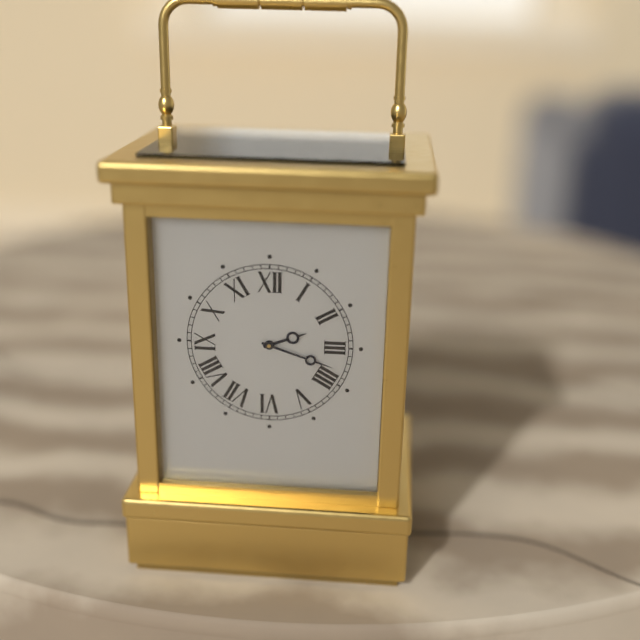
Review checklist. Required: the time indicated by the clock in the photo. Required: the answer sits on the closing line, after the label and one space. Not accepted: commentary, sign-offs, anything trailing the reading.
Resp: 2:18
